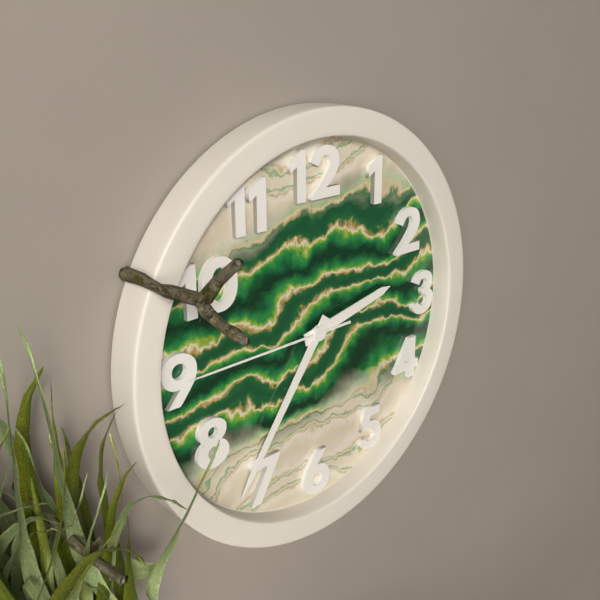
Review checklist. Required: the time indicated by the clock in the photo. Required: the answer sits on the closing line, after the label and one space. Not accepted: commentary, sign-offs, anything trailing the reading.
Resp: 2:36:45
